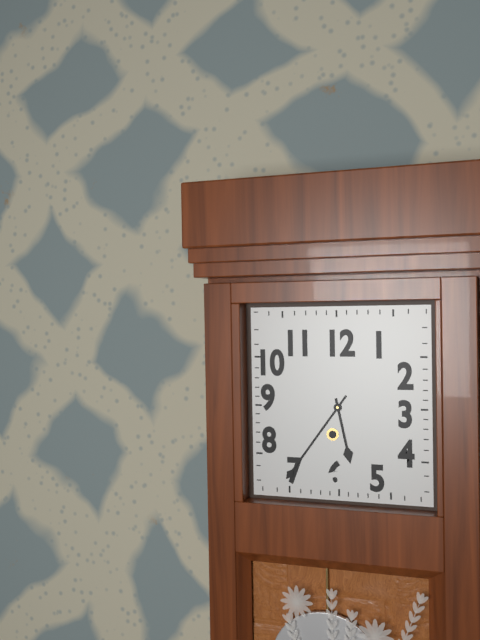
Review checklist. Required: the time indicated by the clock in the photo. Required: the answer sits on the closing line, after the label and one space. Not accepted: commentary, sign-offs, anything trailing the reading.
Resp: 5:36
